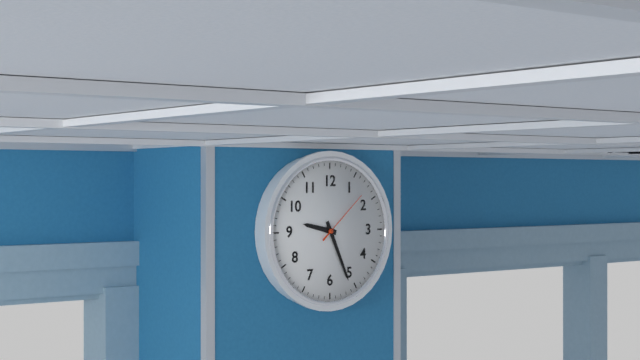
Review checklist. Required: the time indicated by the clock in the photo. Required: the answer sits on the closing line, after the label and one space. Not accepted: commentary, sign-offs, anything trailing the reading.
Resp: 9:26:08
